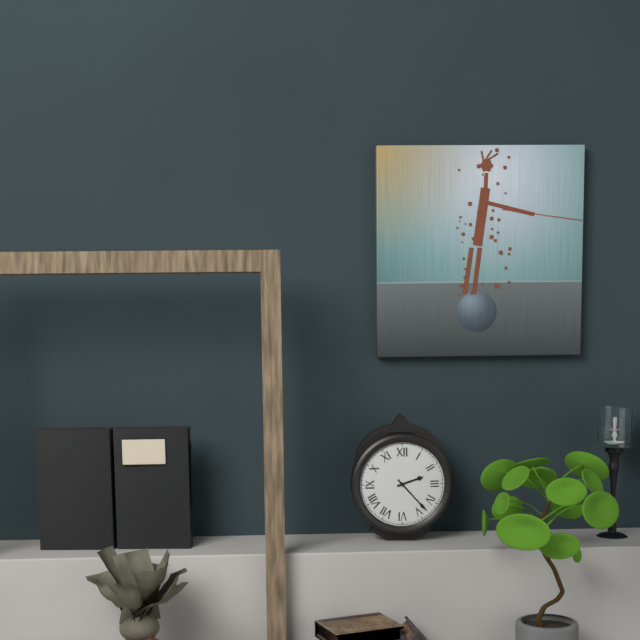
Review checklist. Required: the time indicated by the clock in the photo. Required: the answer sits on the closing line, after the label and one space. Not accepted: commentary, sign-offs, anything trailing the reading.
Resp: 2:23
